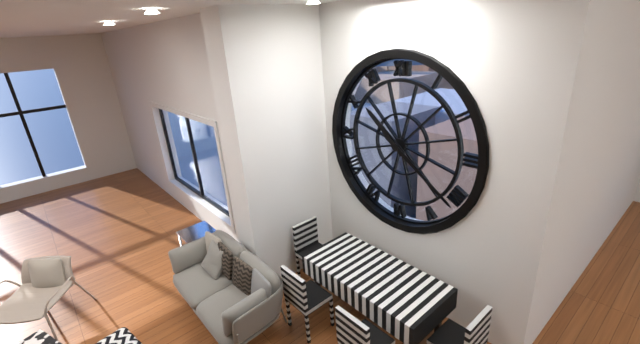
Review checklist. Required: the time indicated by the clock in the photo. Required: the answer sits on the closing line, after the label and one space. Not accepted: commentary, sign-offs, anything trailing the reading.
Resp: 10:21
